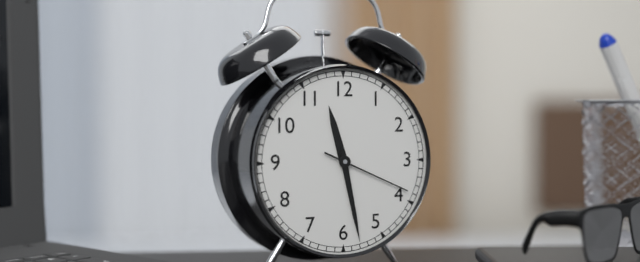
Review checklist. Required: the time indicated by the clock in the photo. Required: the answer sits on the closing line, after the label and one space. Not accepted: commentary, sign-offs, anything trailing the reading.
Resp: 11:28:19
